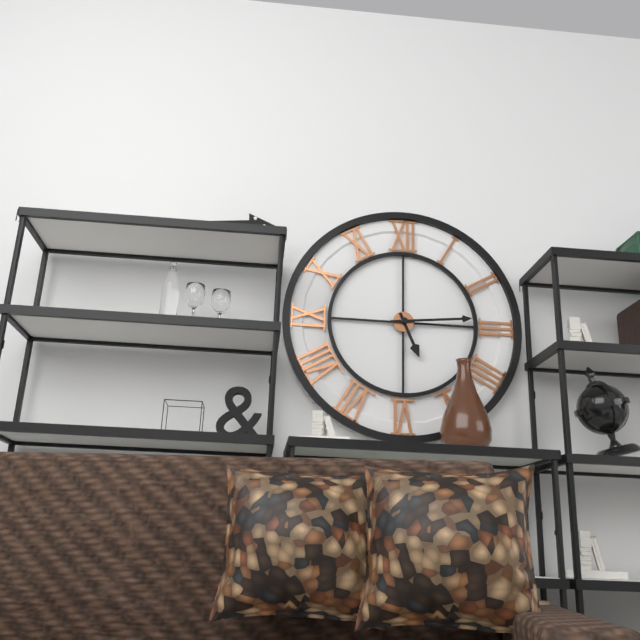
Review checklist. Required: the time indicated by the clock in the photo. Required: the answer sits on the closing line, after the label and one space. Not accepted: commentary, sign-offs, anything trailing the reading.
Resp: 5:14
